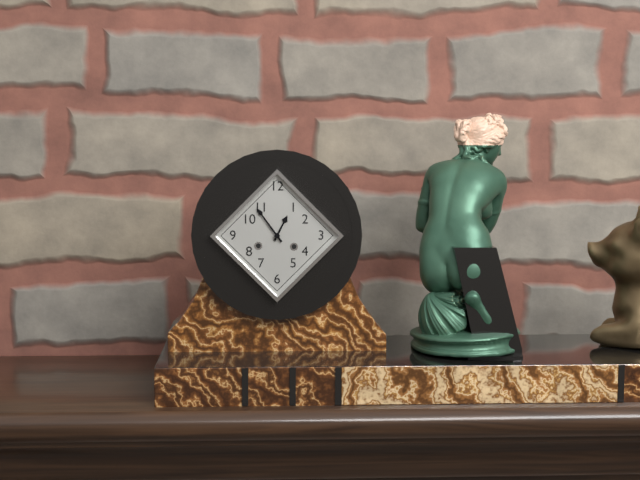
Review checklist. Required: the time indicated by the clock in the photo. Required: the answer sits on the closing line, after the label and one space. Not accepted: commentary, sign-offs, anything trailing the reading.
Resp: 12:54
